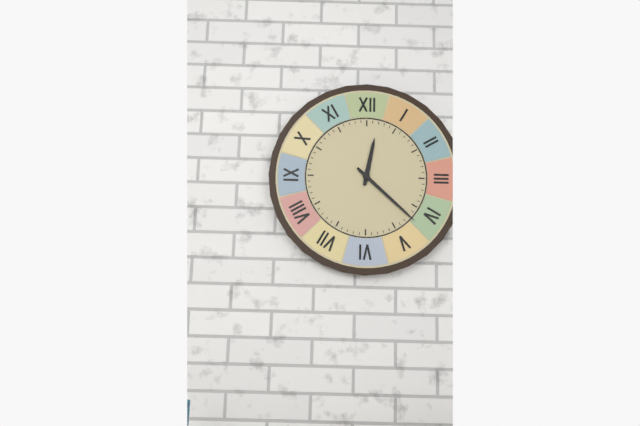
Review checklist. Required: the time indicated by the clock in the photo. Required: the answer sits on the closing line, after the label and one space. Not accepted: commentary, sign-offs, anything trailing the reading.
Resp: 12:22
